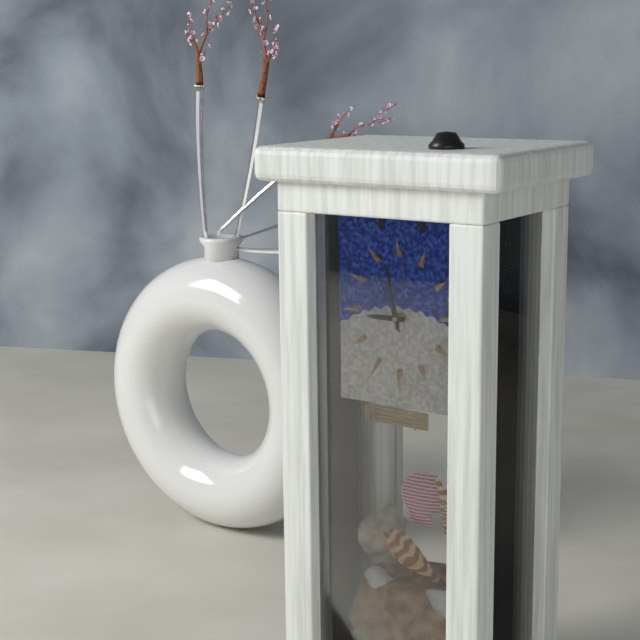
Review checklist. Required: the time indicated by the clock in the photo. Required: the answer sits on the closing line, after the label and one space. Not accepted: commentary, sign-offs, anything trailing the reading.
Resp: 8:58:56
